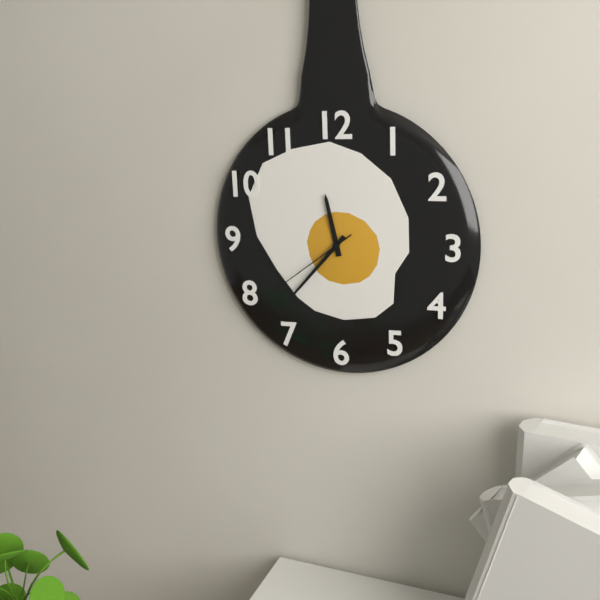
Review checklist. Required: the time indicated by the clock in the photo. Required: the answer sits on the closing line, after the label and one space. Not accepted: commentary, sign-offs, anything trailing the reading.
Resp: 11:37:39
